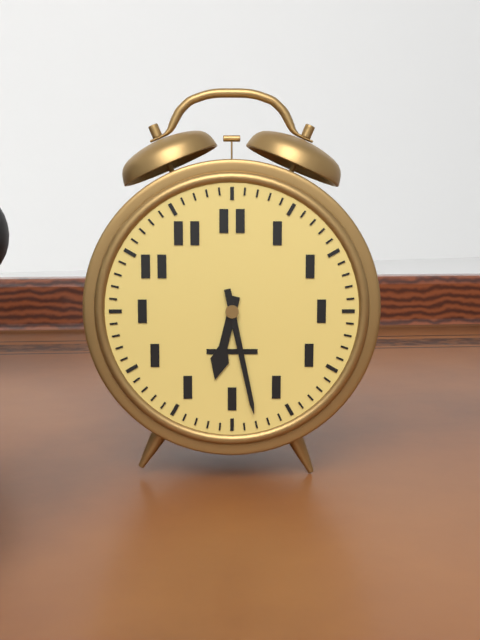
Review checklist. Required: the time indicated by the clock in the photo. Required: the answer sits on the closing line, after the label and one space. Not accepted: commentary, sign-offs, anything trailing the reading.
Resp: 6:28
